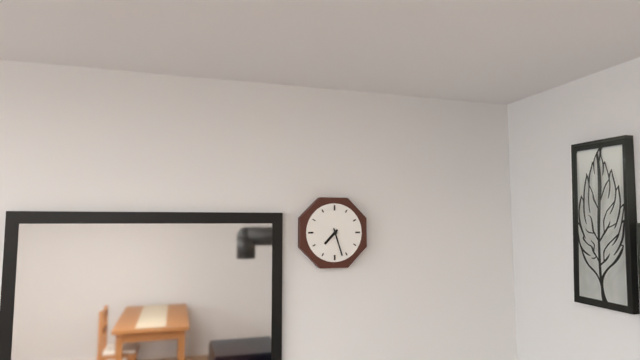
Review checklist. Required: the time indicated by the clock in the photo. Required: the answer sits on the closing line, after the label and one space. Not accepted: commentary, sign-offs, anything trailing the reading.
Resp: 7:27
